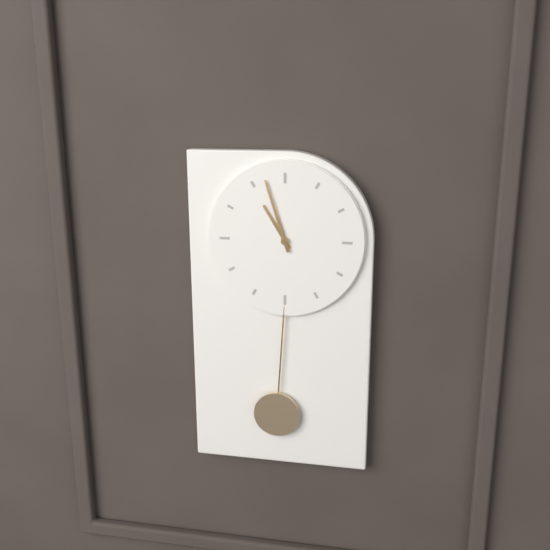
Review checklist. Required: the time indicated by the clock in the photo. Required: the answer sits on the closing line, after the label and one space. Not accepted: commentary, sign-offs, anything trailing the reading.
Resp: 10:57
